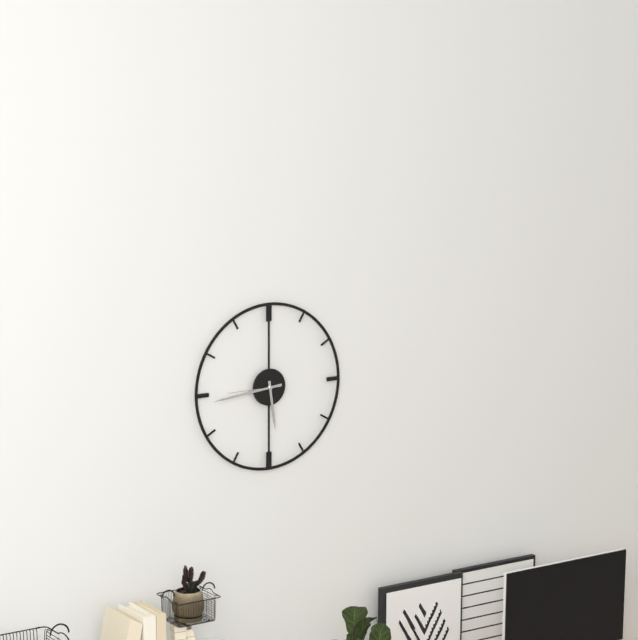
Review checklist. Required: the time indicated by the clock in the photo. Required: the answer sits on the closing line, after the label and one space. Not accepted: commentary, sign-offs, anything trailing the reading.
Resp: 5:44
